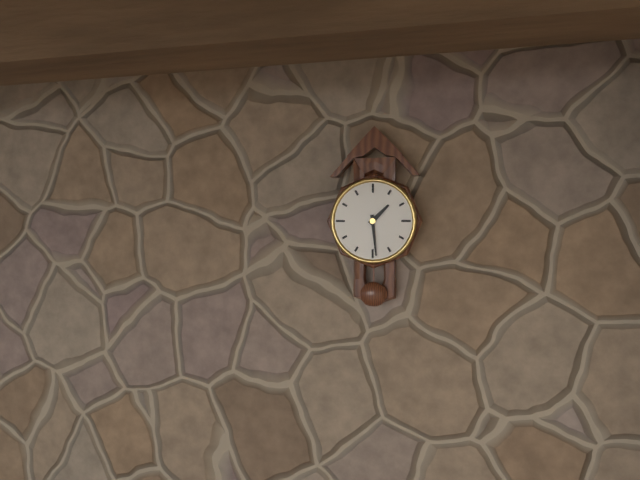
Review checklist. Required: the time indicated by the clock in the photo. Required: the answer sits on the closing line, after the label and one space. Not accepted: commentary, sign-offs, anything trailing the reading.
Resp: 1:29
